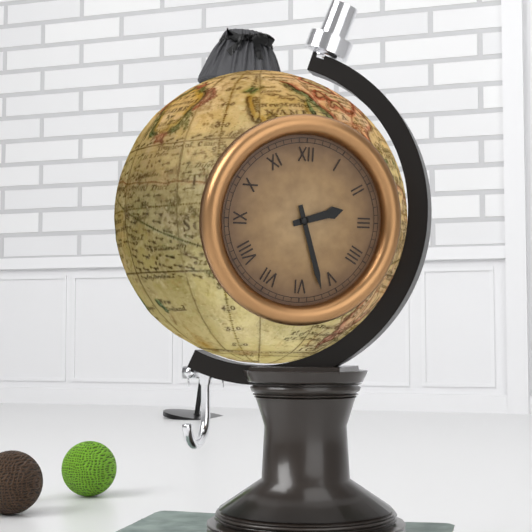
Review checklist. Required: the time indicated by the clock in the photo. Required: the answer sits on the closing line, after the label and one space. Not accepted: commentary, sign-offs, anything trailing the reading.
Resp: 2:27
